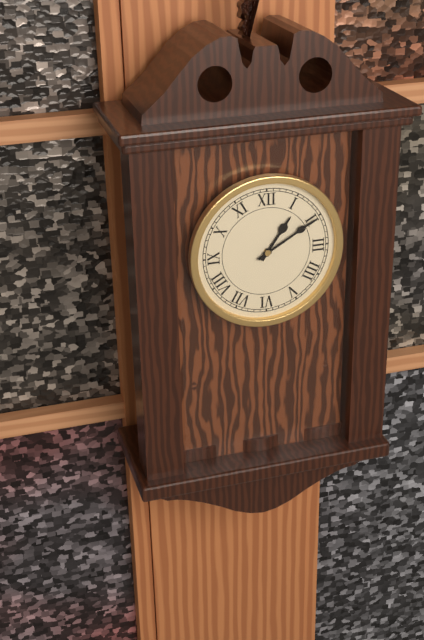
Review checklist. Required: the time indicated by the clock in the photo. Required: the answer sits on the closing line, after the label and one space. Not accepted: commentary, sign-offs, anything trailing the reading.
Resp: 1:10
